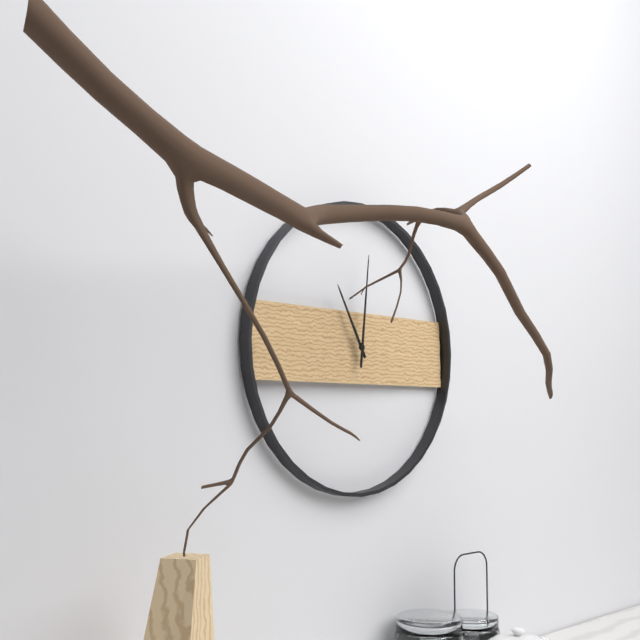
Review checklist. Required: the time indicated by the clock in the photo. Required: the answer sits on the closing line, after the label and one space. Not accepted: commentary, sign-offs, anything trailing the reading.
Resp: 11:01
